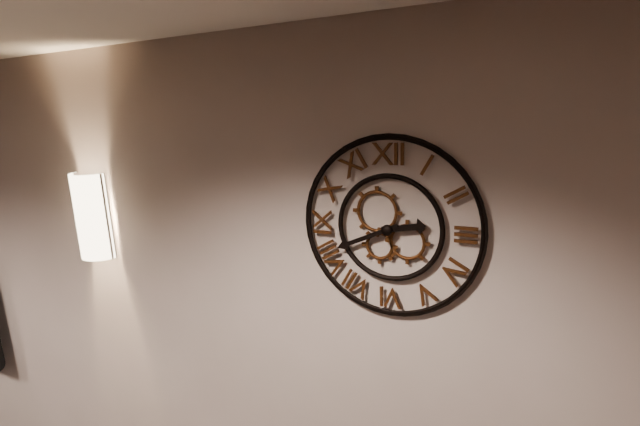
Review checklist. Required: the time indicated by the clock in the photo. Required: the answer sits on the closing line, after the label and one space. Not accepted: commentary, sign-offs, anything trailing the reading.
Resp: 2:41
